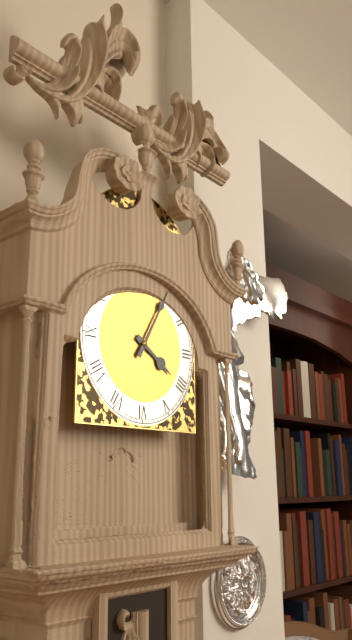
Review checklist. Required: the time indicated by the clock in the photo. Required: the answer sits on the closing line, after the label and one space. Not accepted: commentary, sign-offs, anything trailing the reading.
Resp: 4:05
